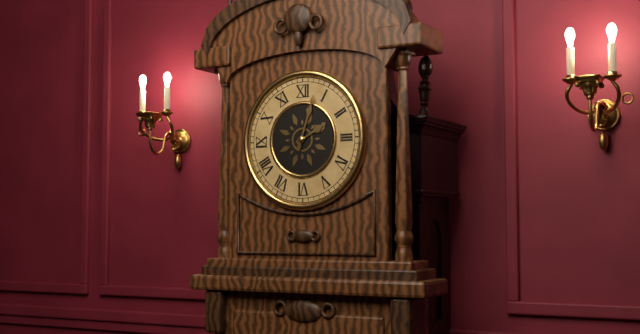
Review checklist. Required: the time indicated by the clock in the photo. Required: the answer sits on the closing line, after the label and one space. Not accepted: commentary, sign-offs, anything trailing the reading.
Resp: 2:03
